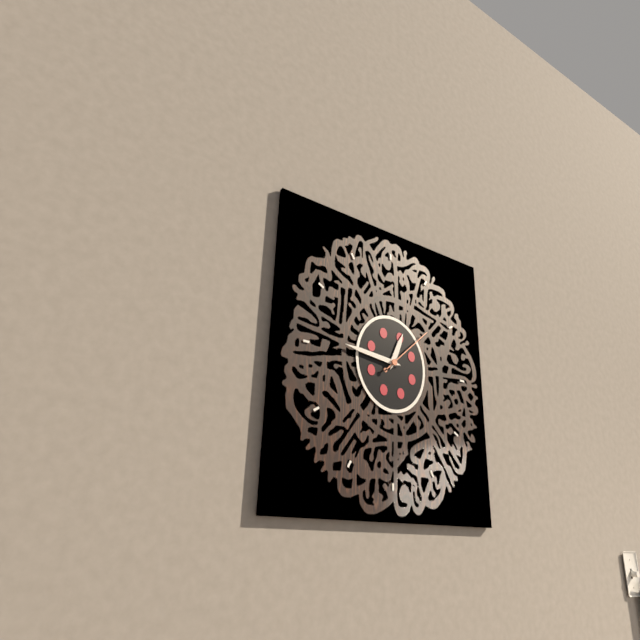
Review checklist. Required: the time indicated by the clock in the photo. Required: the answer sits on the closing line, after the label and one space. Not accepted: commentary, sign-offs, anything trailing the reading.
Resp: 12:46:08
